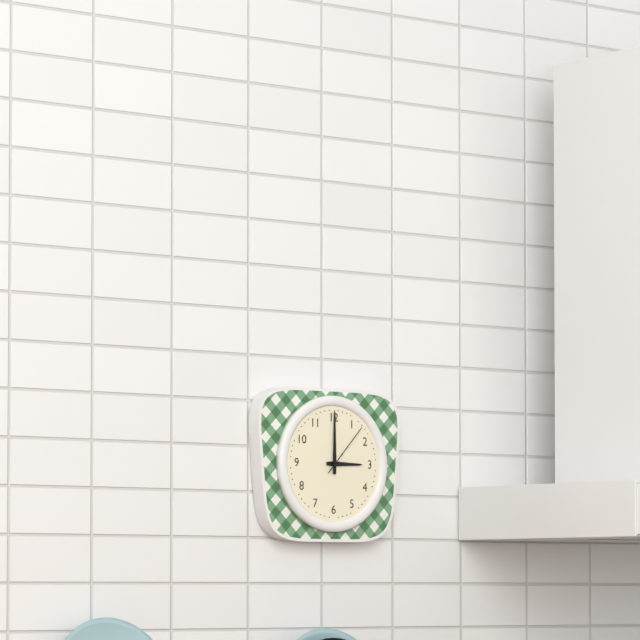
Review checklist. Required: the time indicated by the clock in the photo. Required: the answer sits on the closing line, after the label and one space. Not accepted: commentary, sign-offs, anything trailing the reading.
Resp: 3:00:07
